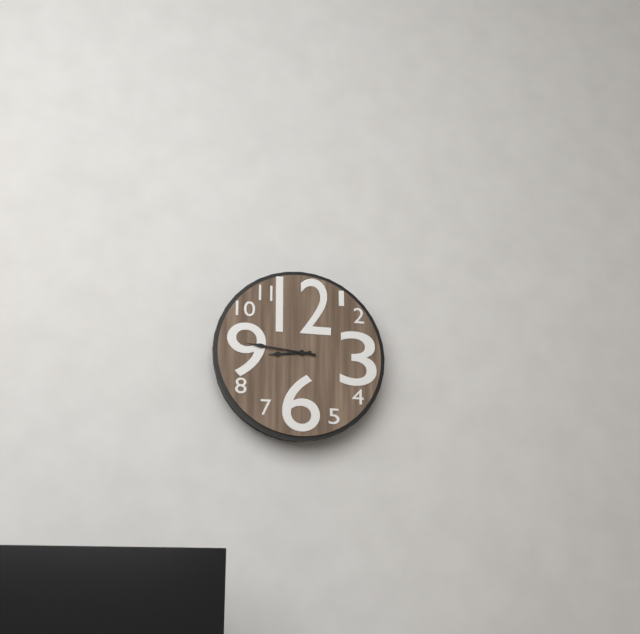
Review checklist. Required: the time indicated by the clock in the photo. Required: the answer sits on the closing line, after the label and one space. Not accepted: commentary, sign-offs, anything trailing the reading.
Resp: 8:46
